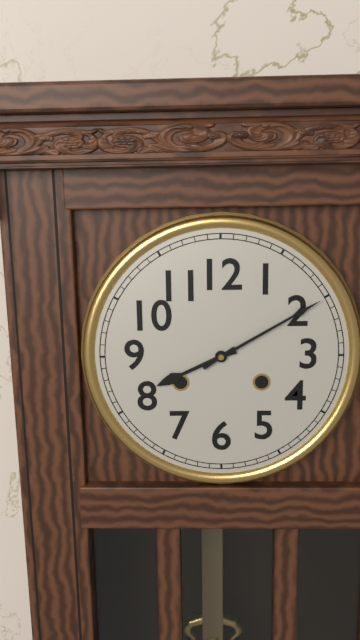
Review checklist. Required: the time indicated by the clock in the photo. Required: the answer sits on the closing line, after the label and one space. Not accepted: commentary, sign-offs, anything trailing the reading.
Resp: 8:10
